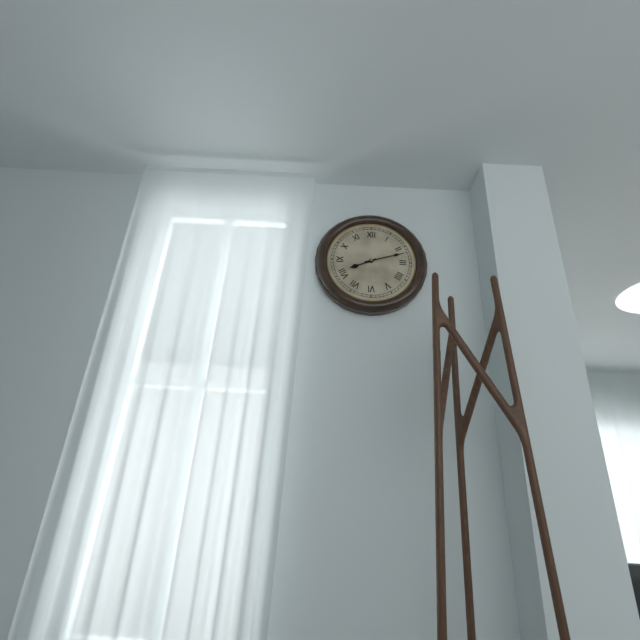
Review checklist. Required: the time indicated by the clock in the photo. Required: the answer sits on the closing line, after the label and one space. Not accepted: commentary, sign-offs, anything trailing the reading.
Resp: 8:12
